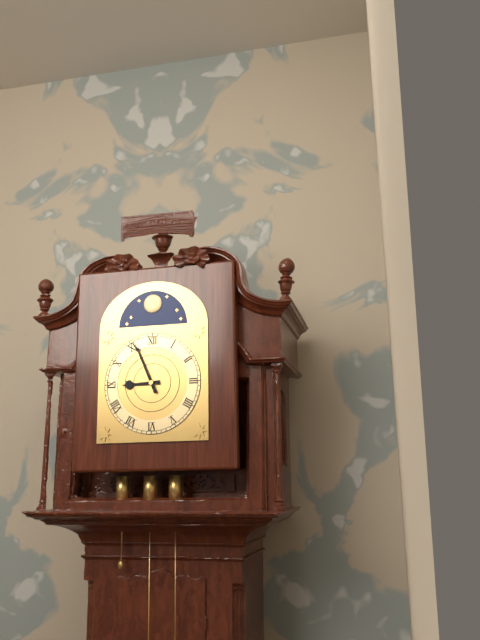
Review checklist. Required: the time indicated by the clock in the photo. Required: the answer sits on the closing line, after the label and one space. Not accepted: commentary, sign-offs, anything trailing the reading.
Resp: 8:56
